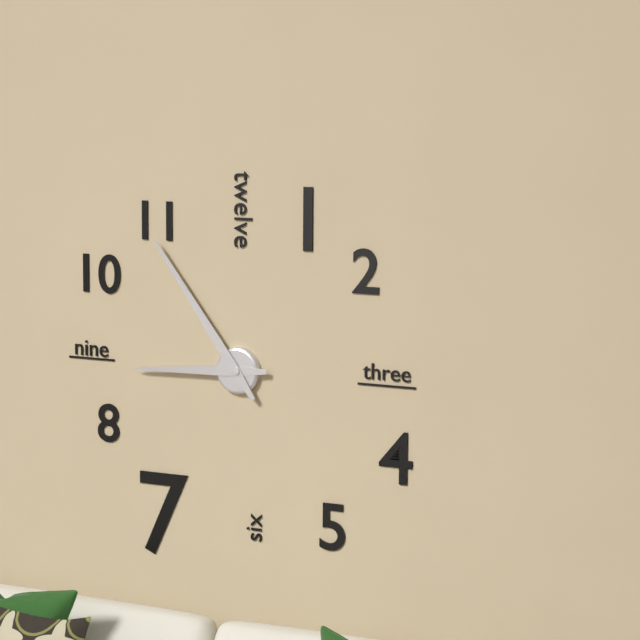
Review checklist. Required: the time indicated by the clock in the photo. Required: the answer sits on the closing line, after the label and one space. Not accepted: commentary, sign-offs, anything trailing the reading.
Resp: 8:54
